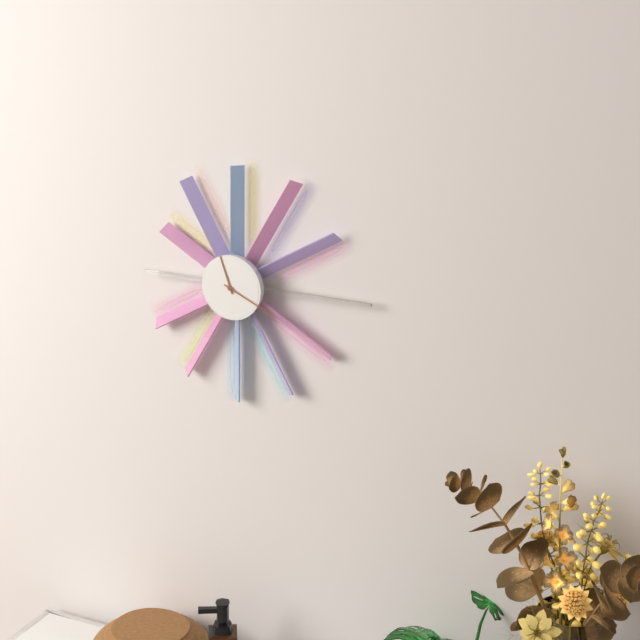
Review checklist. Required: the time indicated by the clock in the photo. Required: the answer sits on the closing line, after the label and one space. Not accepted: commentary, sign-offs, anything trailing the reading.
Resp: 11:19
